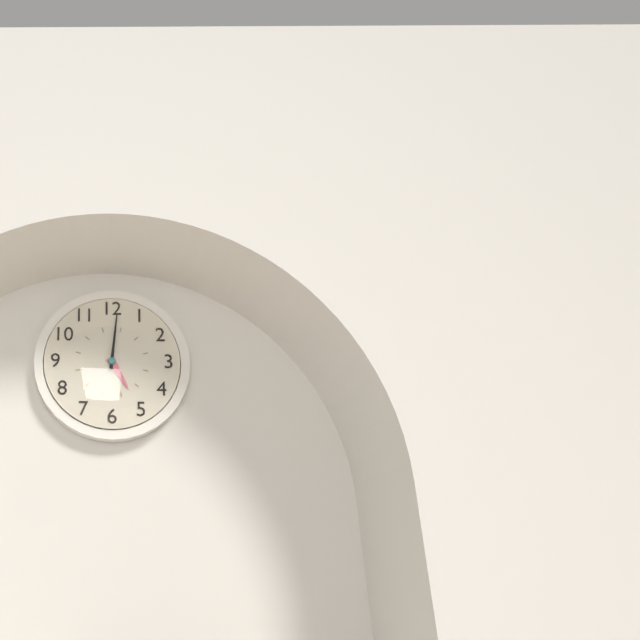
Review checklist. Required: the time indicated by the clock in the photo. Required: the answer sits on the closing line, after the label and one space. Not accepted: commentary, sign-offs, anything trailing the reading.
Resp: 5:01
